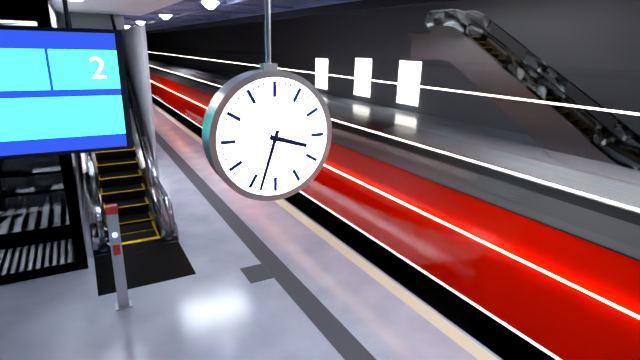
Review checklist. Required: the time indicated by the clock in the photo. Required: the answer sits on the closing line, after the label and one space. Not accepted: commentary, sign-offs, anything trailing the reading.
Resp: 3:33
